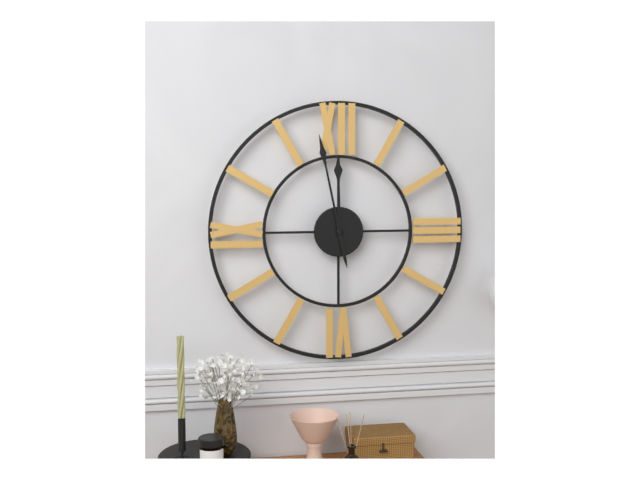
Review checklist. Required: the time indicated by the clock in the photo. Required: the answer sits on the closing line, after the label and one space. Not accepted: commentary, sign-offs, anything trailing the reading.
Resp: 11:58
